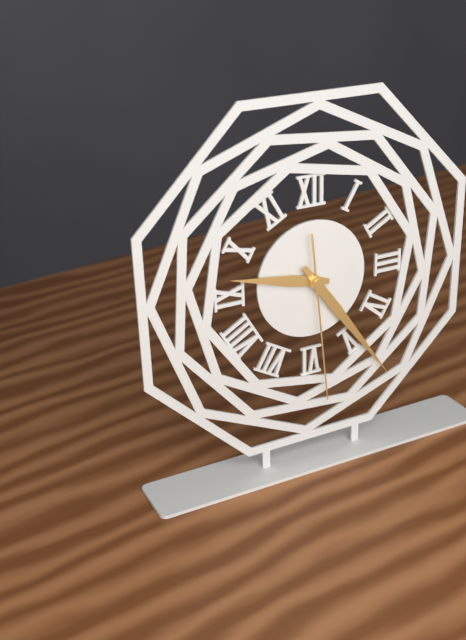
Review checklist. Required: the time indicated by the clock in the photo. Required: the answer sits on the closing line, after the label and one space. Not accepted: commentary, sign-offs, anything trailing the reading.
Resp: 9:24:29
